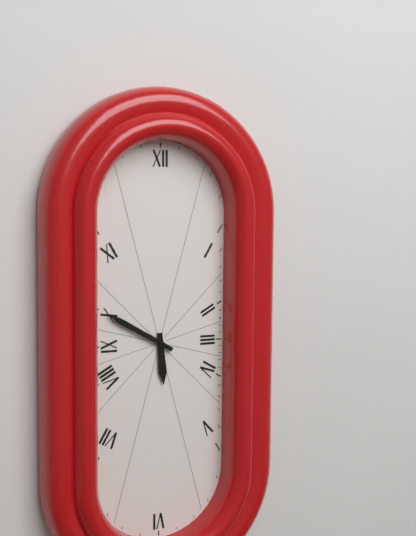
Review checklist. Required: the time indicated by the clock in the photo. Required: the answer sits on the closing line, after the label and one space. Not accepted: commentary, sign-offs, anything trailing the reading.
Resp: 5:50
